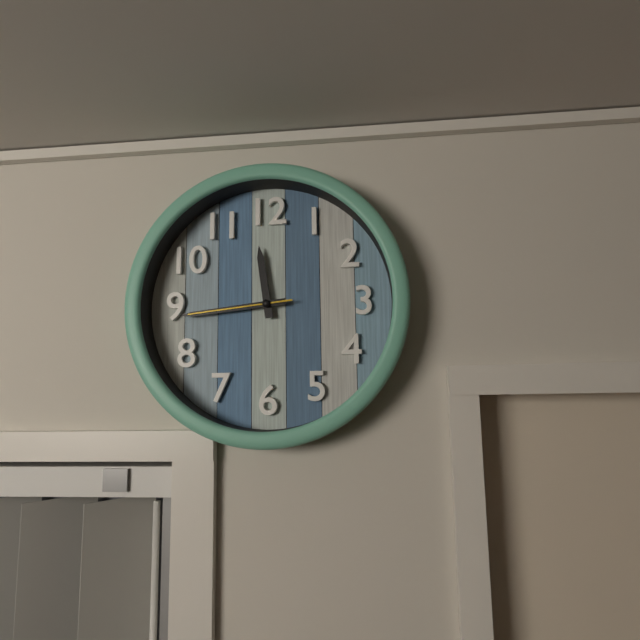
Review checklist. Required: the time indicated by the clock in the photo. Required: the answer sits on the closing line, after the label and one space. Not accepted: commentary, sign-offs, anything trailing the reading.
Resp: 11:44:44
